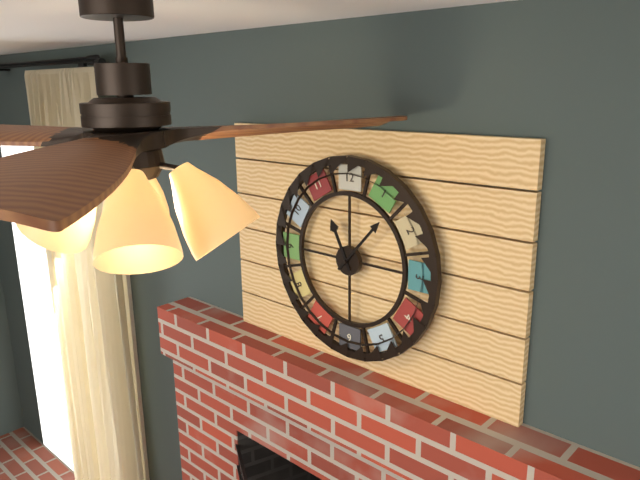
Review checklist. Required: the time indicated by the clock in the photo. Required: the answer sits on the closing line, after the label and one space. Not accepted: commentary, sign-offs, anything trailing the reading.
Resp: 11:07
